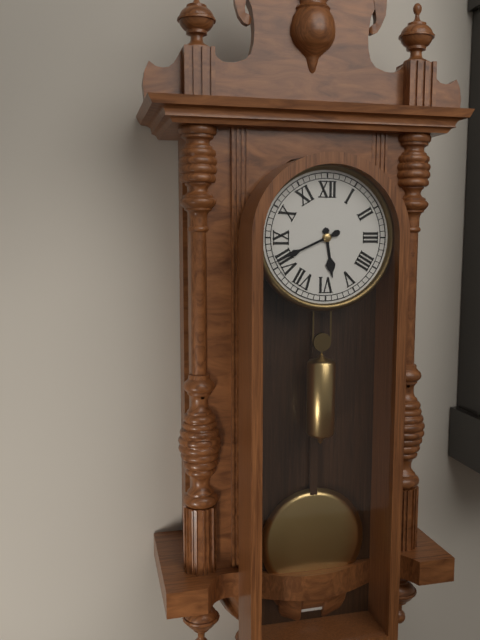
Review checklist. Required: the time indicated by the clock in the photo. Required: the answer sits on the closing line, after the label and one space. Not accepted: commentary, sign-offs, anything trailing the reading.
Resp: 5:41
